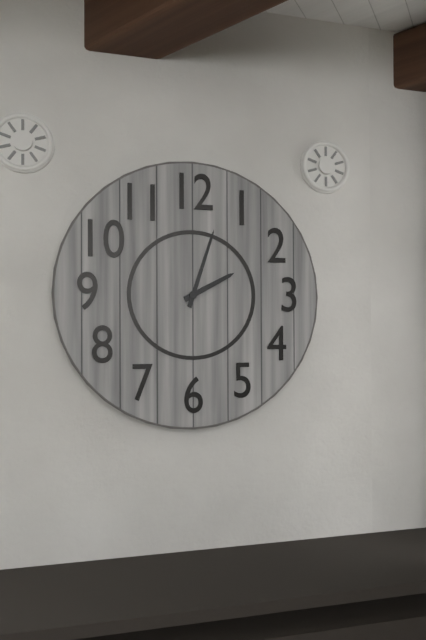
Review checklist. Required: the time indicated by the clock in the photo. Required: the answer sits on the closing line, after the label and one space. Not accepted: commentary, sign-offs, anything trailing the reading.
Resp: 2:03
